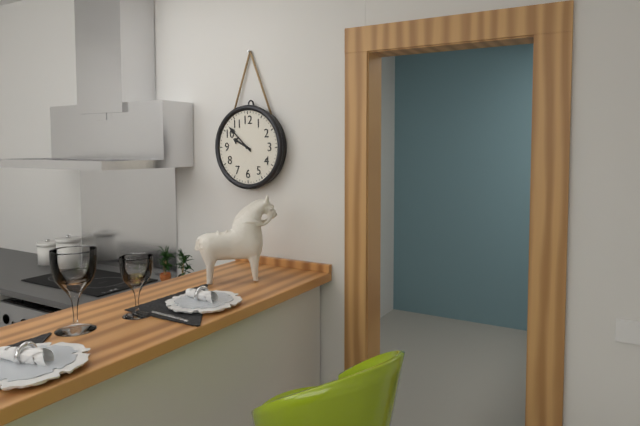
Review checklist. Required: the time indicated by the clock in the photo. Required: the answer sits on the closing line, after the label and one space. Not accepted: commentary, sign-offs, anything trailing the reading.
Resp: 9:52
